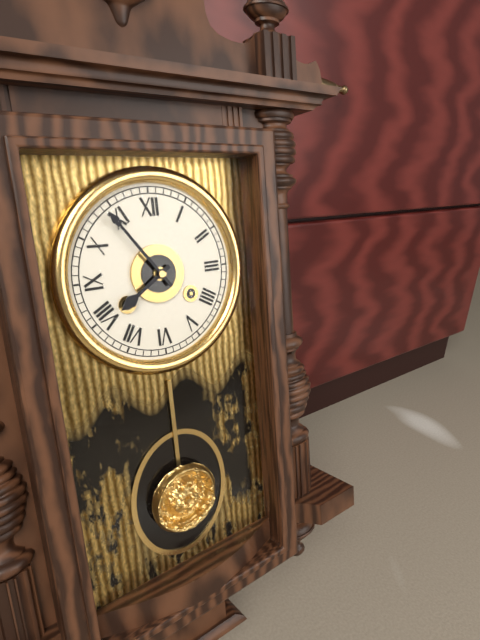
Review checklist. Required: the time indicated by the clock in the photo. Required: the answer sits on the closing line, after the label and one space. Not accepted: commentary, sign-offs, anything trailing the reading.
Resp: 7:54
